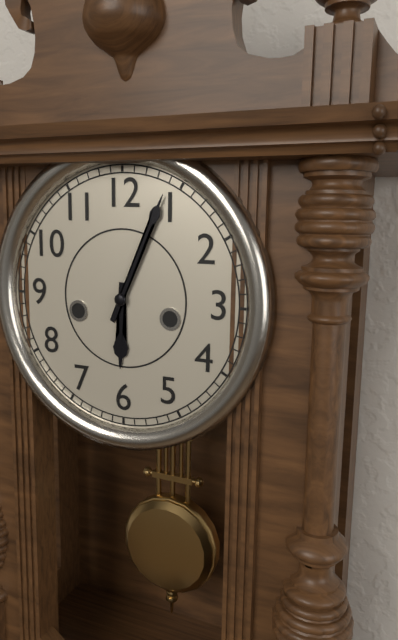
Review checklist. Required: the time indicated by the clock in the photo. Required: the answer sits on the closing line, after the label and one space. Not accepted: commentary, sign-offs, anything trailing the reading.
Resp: 6:04
